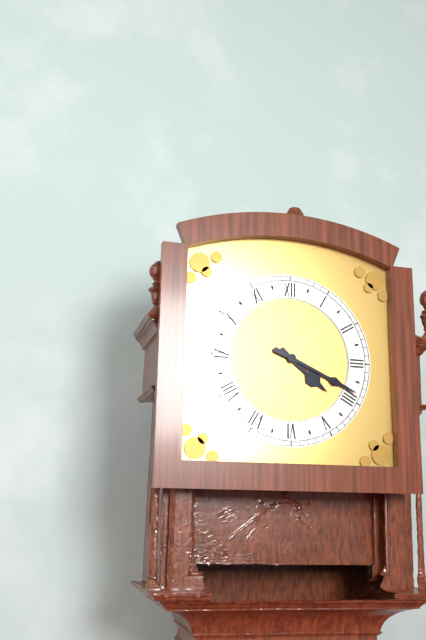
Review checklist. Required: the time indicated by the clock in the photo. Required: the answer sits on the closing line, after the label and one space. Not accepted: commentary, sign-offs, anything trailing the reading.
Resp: 4:19
